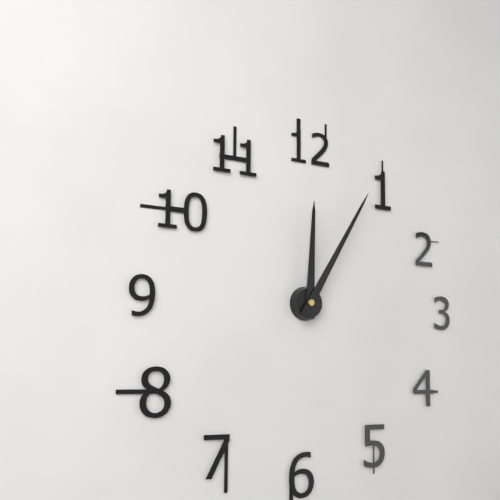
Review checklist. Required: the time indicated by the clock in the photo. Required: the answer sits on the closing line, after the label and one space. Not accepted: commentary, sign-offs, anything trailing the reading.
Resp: 12:05
